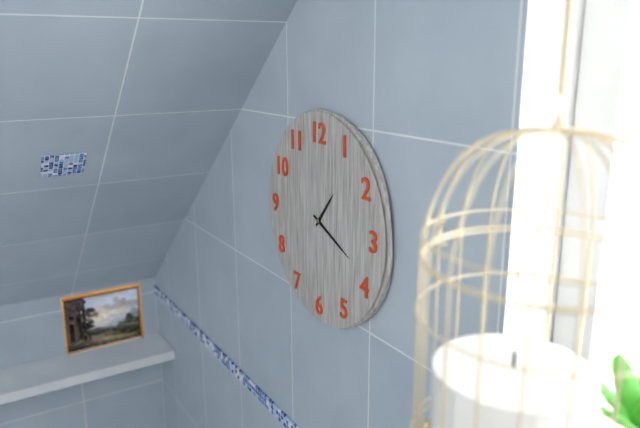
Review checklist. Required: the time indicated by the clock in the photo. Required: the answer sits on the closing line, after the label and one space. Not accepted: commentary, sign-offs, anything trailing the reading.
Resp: 1:19
